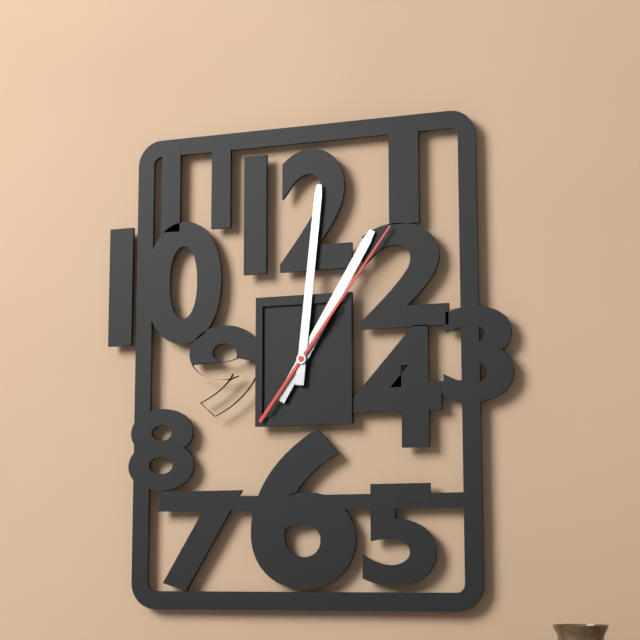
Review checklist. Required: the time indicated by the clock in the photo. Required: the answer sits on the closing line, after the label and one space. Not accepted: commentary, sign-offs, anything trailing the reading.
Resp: 1:01:06
